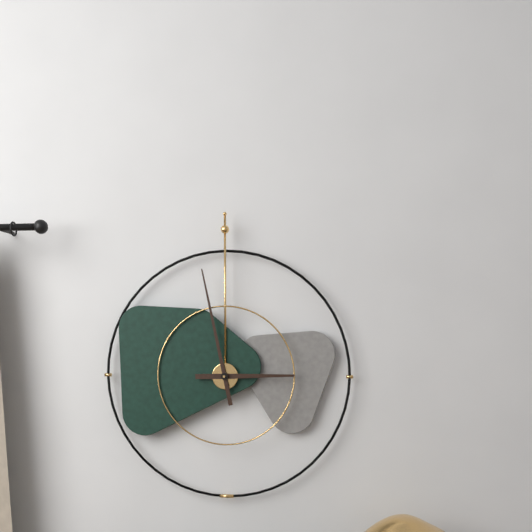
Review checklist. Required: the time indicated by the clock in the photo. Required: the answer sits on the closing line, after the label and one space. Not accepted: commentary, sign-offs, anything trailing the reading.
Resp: 2:58
